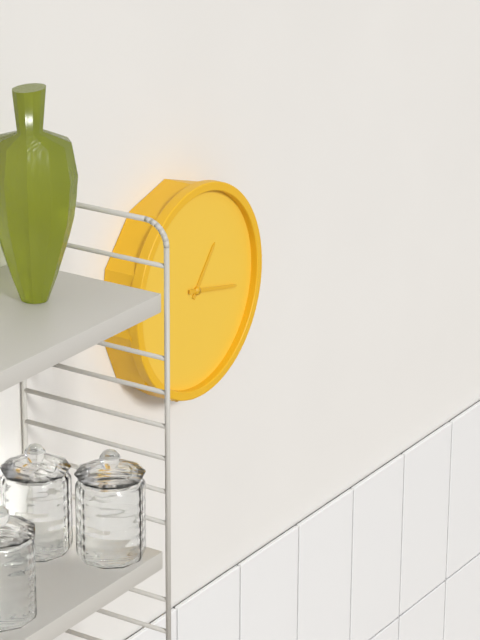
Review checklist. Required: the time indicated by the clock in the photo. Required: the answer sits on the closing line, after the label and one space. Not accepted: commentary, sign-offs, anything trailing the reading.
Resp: 1:17
